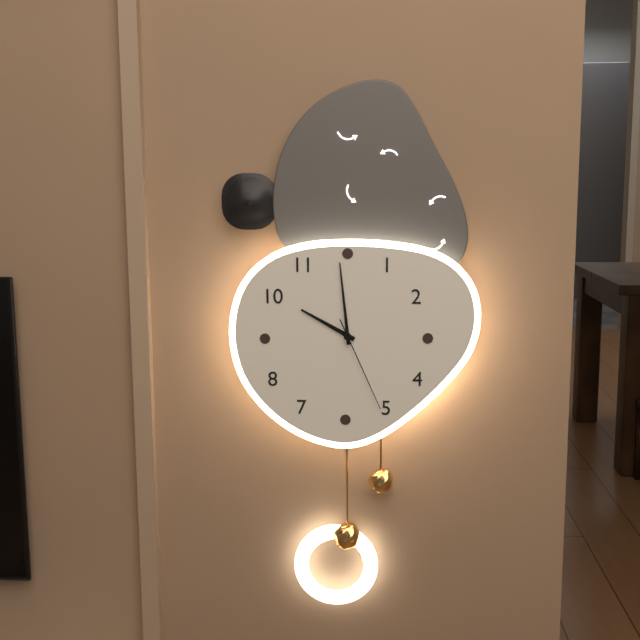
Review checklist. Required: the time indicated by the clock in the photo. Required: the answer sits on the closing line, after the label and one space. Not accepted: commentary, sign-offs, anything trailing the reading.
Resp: 9:59:26
